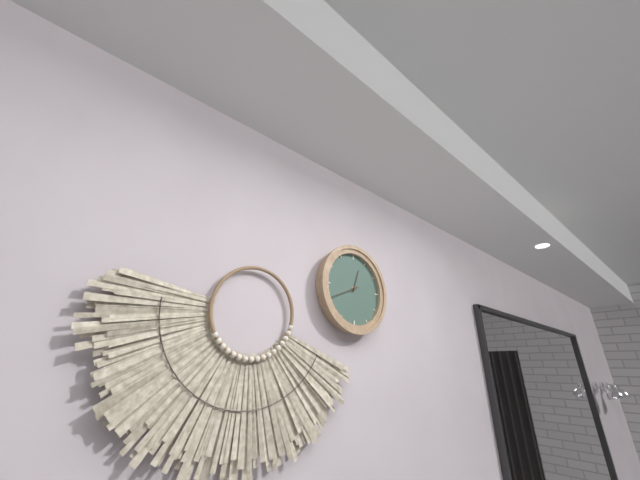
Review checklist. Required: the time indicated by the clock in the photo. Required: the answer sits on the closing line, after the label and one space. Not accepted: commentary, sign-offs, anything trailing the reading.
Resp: 12:41
